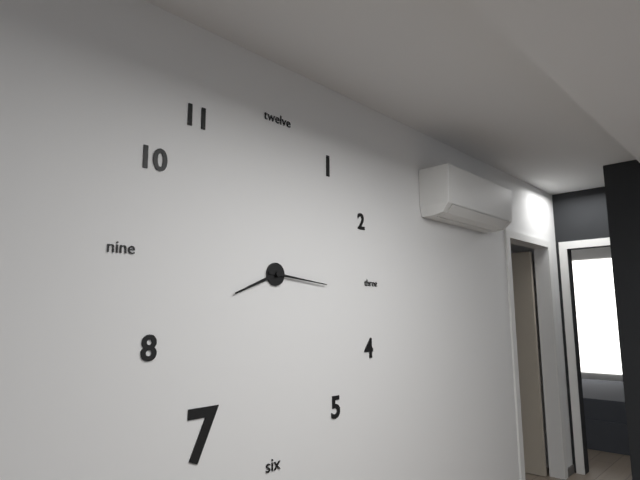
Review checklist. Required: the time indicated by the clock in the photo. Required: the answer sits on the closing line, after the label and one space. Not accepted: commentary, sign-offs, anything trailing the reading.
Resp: 8:16
